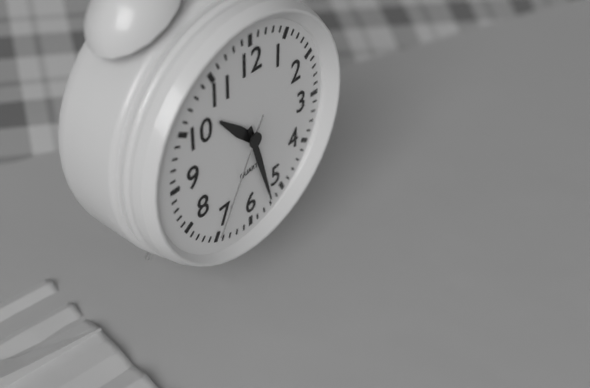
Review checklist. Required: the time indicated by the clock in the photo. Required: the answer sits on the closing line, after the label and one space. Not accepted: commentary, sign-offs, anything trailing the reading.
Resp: 10:27:35
